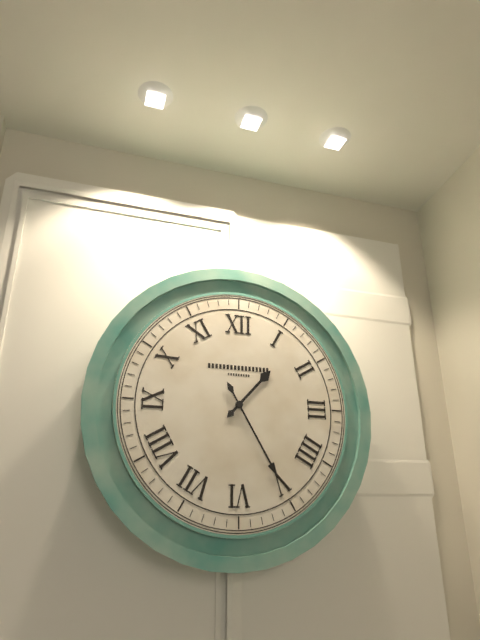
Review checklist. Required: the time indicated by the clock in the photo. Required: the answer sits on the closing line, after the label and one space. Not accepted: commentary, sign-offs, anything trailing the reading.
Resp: 1:25
